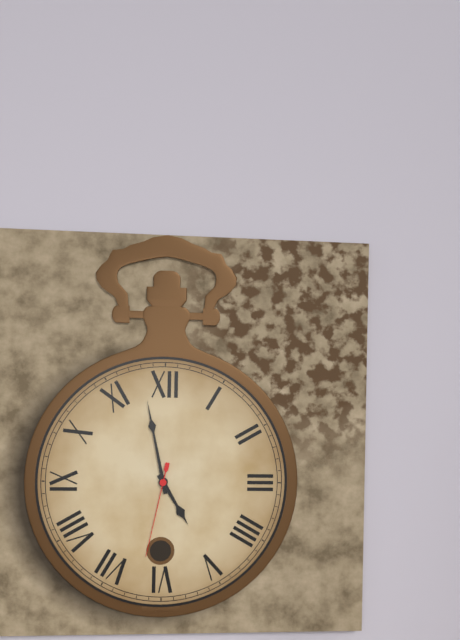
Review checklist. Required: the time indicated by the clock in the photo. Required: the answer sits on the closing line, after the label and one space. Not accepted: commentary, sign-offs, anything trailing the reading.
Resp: 4:58:32
